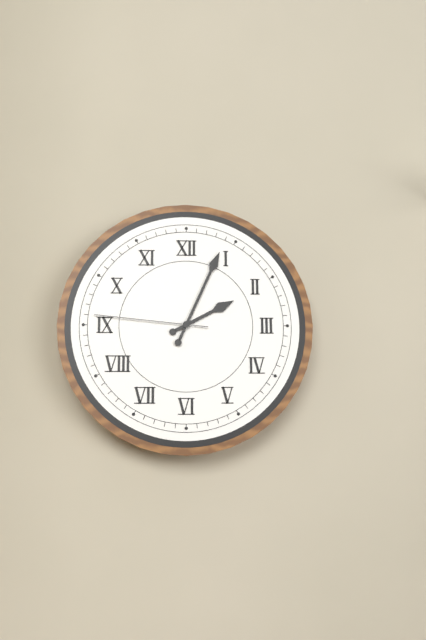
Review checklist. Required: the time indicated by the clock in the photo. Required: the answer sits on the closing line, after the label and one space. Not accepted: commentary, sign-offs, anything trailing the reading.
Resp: 2:04:46
